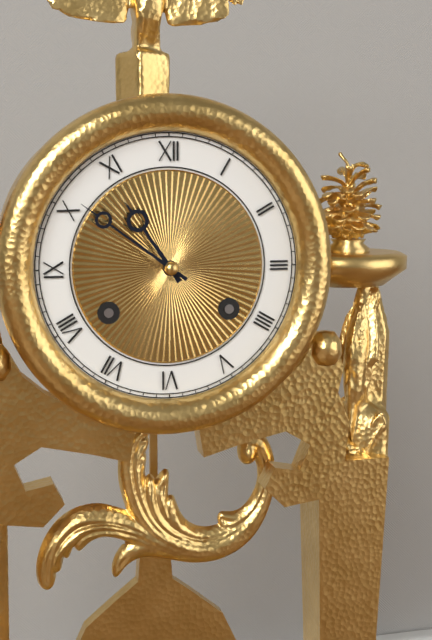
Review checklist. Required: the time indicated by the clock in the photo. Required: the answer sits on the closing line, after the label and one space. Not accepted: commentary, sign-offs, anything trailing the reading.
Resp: 10:51
